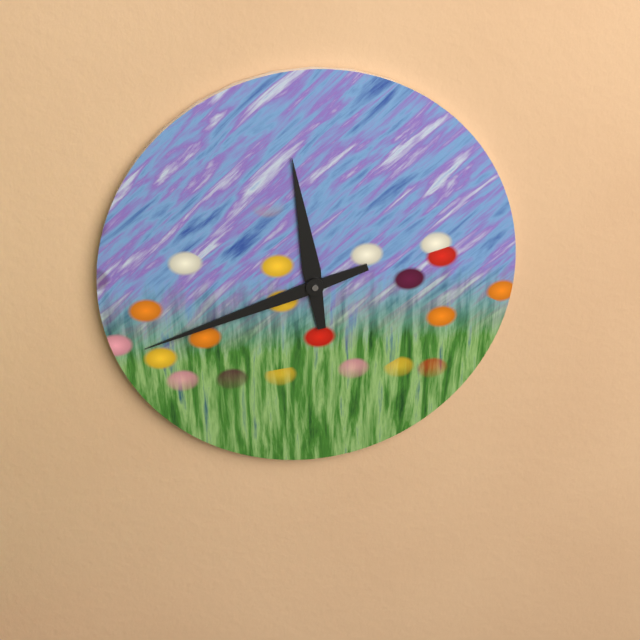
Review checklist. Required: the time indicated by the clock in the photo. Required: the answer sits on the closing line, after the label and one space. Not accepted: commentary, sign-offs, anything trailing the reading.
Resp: 11:42
